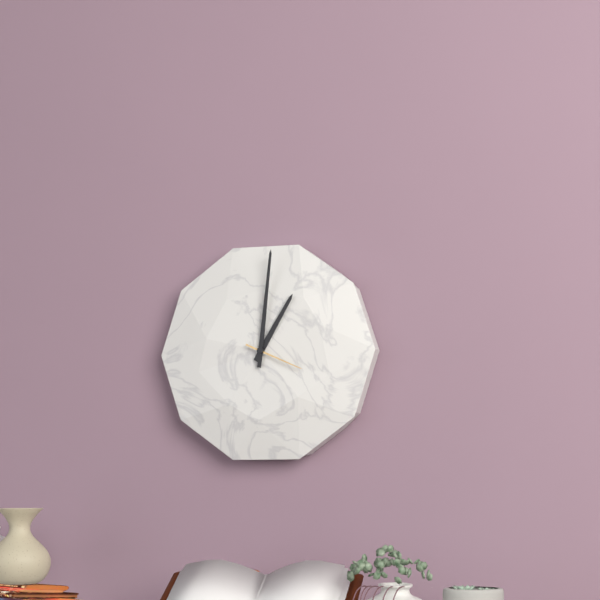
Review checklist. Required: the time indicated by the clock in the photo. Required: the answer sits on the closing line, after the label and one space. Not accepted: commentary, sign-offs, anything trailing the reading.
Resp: 1:01:19
